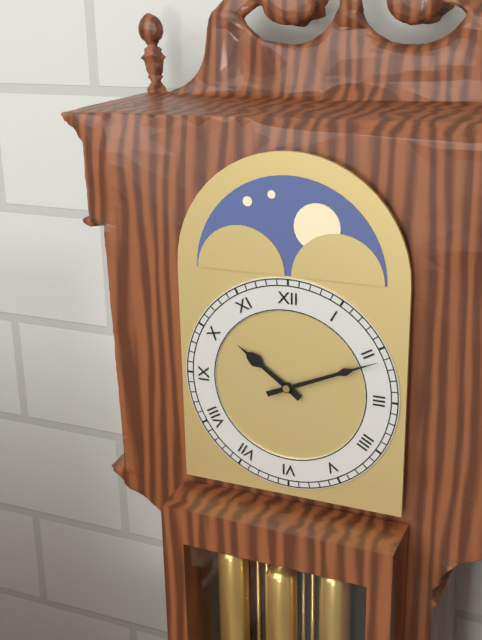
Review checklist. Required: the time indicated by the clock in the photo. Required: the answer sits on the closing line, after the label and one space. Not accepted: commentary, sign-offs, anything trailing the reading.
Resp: 10:11
